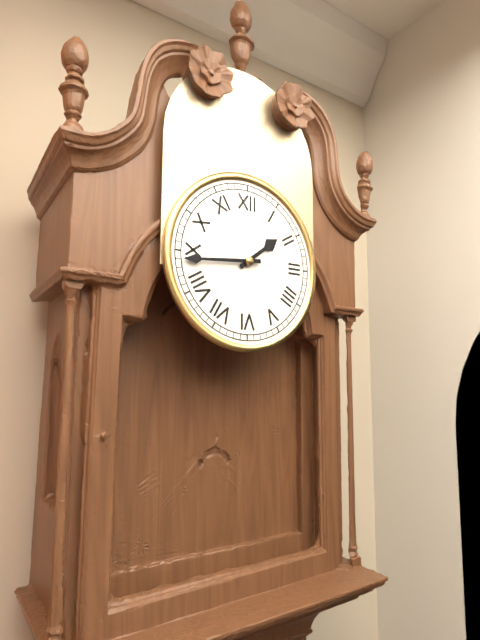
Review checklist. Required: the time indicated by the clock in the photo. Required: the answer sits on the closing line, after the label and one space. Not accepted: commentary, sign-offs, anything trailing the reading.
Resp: 1:44
